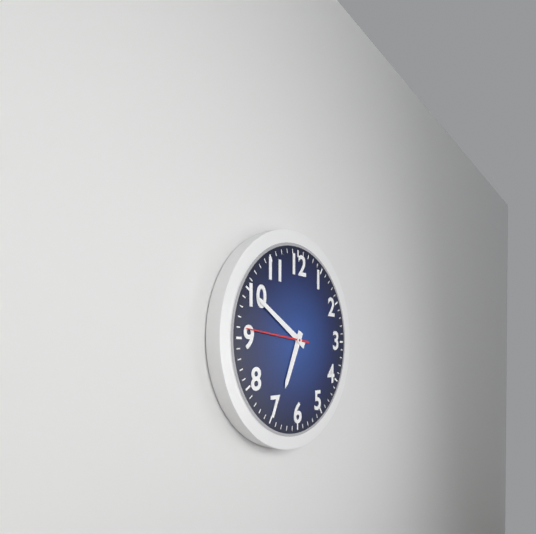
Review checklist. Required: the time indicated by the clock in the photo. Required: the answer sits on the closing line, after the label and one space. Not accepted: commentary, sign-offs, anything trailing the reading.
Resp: 6:50:46
